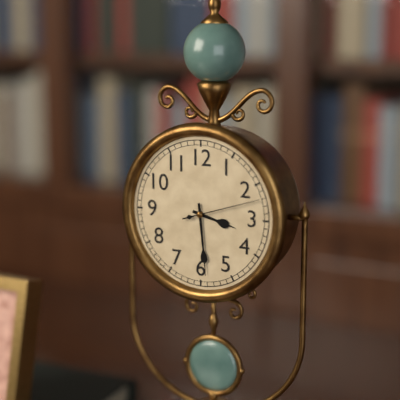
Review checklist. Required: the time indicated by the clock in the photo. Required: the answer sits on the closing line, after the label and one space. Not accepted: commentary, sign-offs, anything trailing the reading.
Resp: 3:29:12
